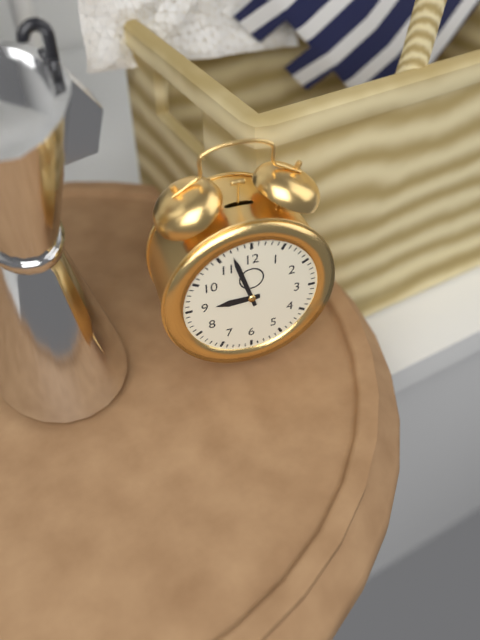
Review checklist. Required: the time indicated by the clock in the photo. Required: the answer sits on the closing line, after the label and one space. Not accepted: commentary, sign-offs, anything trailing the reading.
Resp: 8:57
